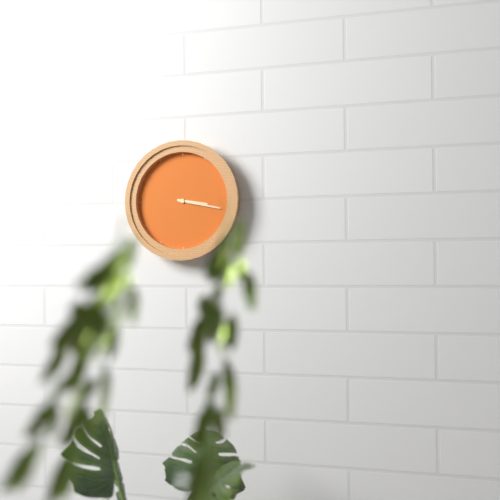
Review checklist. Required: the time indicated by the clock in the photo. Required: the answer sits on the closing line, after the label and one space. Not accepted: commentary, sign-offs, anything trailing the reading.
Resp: 3:17
